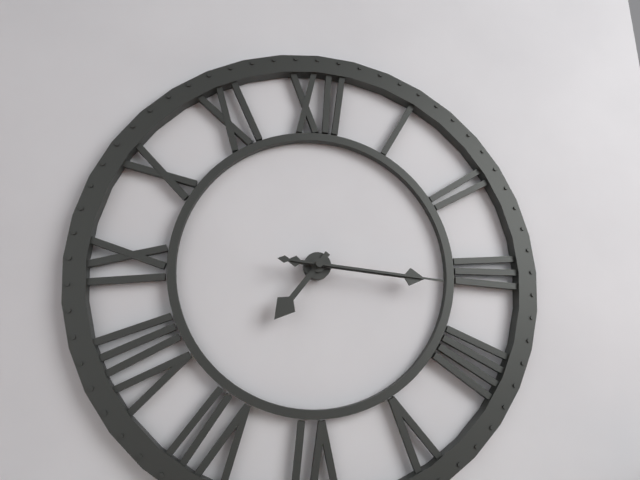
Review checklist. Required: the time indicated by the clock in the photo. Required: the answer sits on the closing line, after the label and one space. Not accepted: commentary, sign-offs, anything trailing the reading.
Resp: 7:16:16
